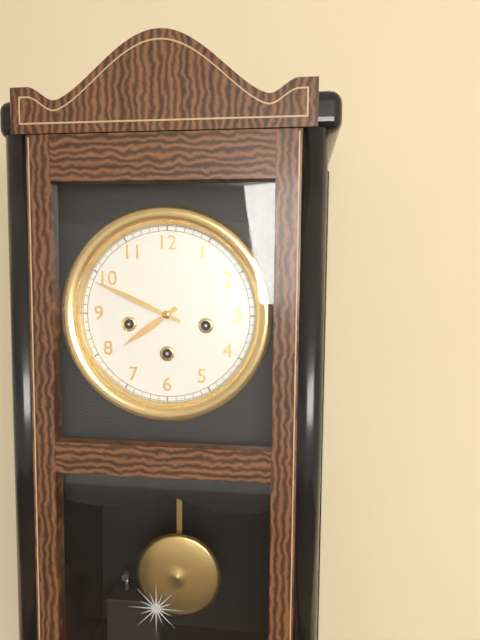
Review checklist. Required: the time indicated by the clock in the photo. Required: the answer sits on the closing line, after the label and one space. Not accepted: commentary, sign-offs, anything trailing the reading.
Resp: 7:49
